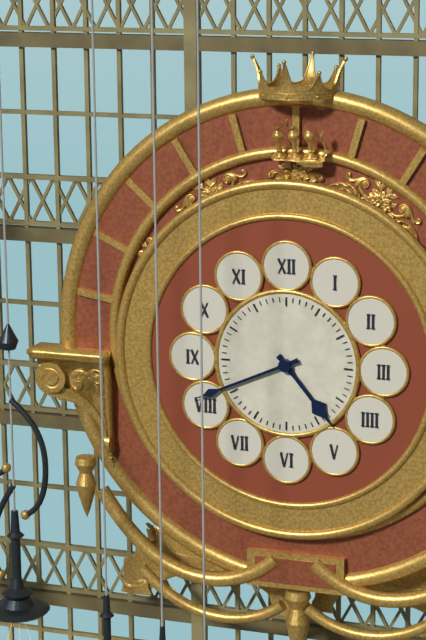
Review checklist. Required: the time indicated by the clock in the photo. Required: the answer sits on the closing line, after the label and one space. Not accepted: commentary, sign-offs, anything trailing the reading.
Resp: 4:41
